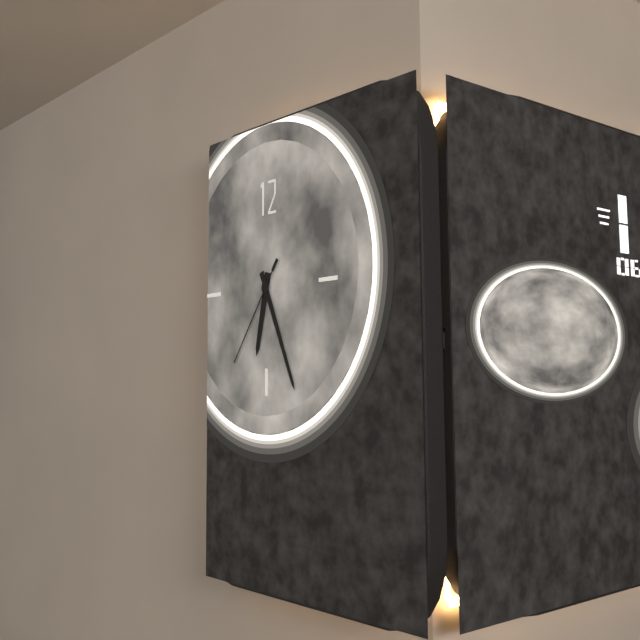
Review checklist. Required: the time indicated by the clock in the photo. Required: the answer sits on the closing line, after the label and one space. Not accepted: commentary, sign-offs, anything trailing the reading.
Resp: 6:26:36
